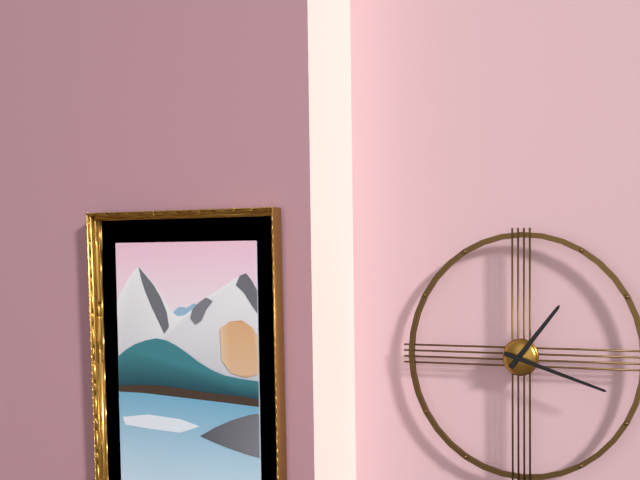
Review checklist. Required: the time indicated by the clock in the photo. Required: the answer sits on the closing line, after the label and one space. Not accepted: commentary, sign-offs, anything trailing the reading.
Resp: 1:18
